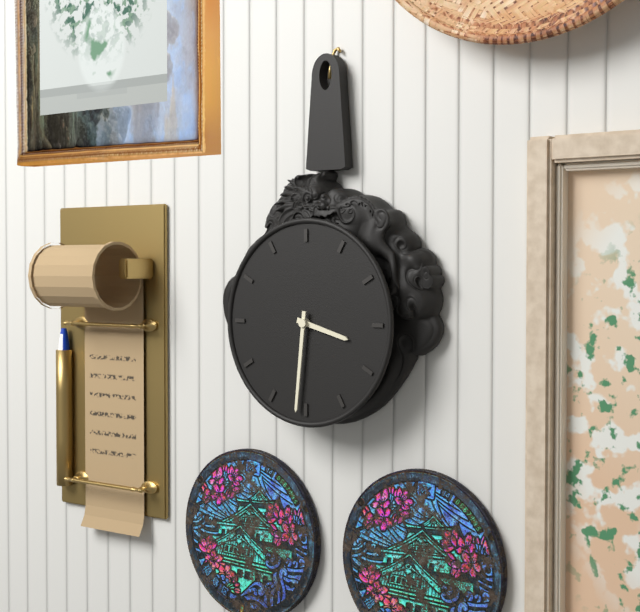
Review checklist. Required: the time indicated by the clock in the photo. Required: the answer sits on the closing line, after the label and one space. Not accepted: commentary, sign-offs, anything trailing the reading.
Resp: 3:31
